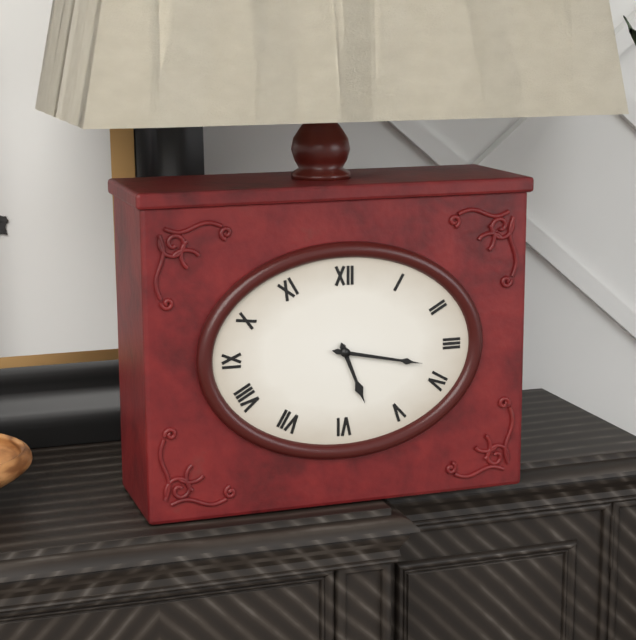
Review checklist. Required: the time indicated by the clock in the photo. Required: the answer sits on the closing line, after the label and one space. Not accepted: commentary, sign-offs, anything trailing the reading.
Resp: 5:17
